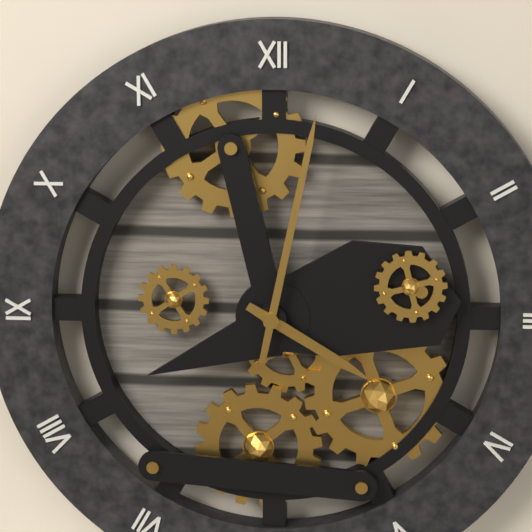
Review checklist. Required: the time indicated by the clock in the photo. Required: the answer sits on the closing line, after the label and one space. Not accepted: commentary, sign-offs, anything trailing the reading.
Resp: 4:02
